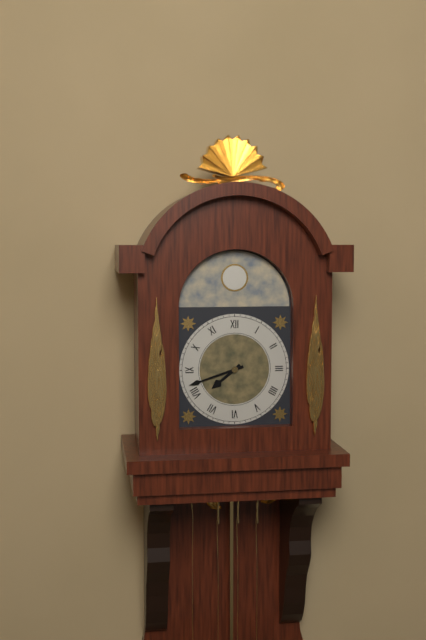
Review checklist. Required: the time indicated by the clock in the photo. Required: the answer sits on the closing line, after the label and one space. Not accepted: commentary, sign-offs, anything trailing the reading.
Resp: 7:42
